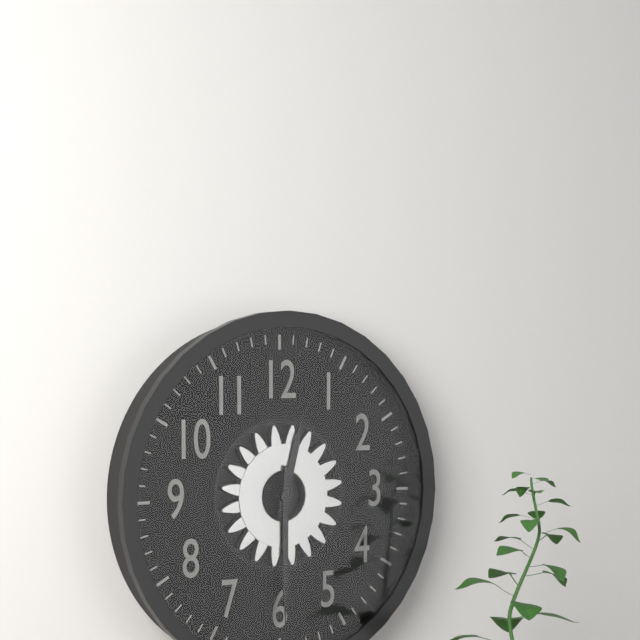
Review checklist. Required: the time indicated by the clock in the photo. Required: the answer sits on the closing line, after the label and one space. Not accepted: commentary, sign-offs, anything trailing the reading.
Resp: 12:30
